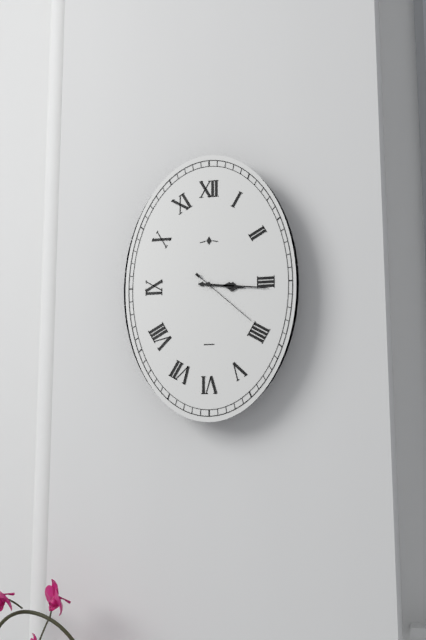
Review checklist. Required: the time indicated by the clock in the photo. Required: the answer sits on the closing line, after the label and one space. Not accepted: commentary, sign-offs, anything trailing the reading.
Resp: 3:16:22
